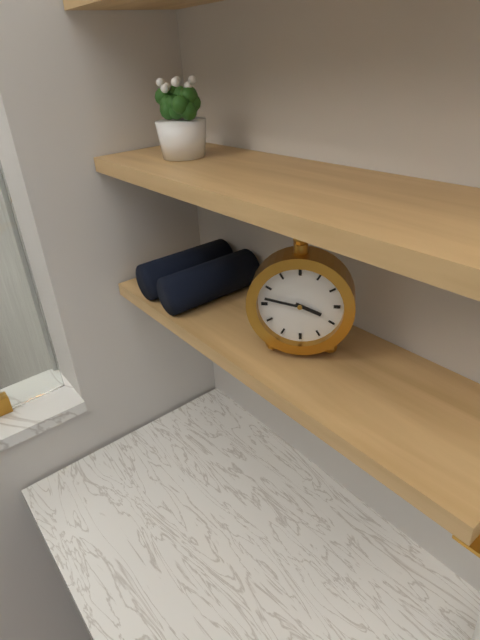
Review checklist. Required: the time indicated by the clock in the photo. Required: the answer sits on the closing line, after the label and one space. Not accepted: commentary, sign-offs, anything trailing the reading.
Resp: 3:47
